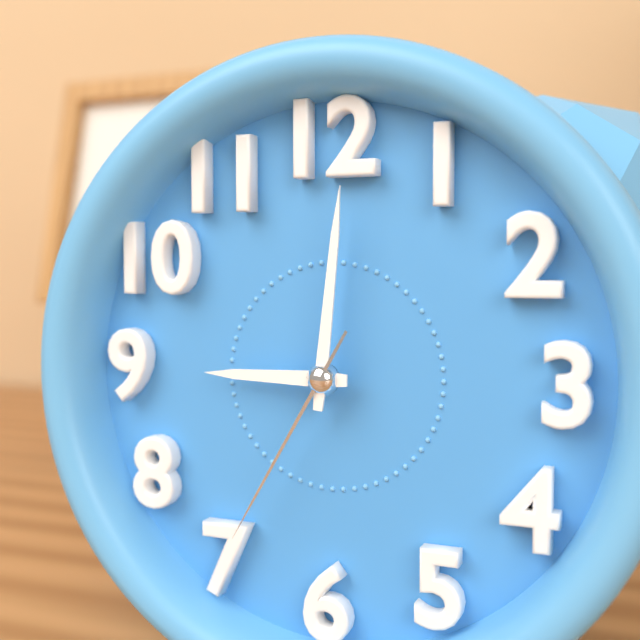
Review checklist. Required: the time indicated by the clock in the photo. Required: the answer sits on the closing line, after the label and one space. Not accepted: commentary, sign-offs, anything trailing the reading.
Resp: 9:01:35
